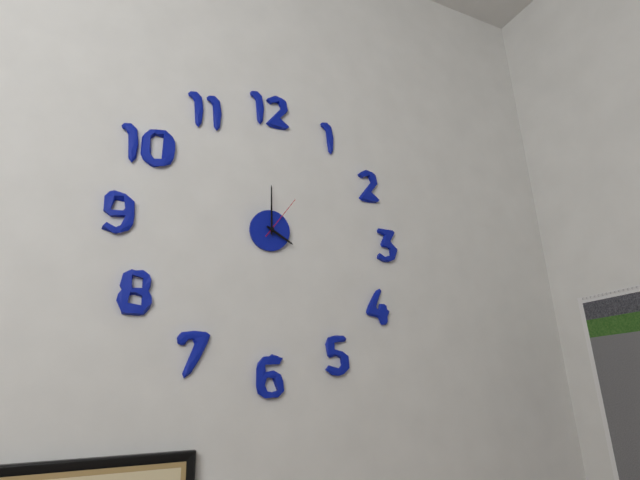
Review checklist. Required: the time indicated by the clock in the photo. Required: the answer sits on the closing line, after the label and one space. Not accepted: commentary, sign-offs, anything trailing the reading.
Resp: 4:00
